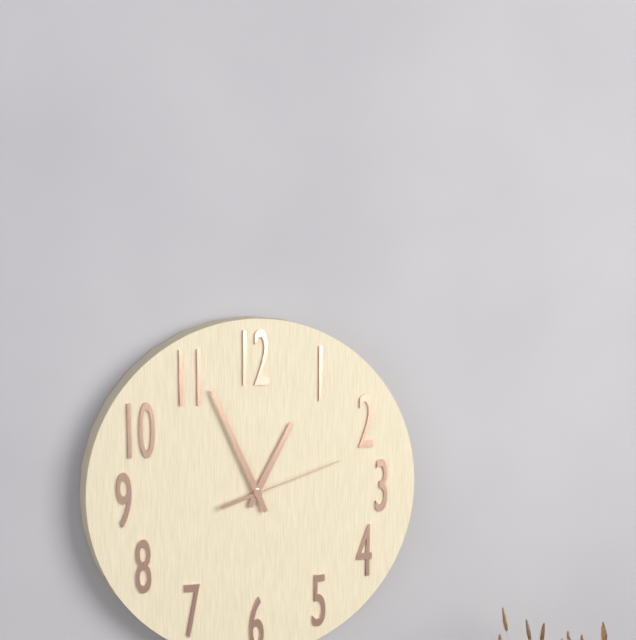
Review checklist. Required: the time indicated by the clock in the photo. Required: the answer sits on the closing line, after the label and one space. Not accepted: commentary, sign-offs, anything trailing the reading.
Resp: 12:56:12
